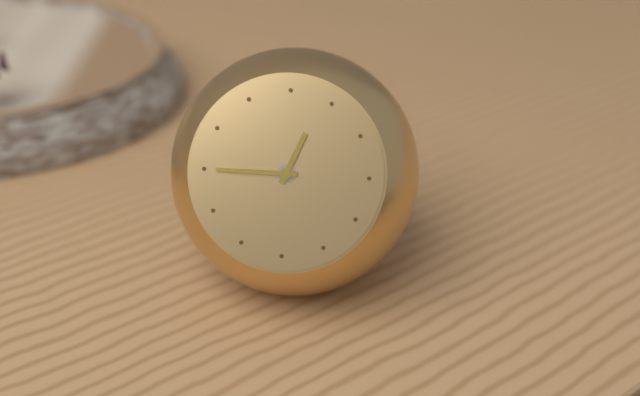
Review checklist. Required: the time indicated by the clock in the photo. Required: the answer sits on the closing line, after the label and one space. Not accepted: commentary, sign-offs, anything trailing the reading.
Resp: 12:45
